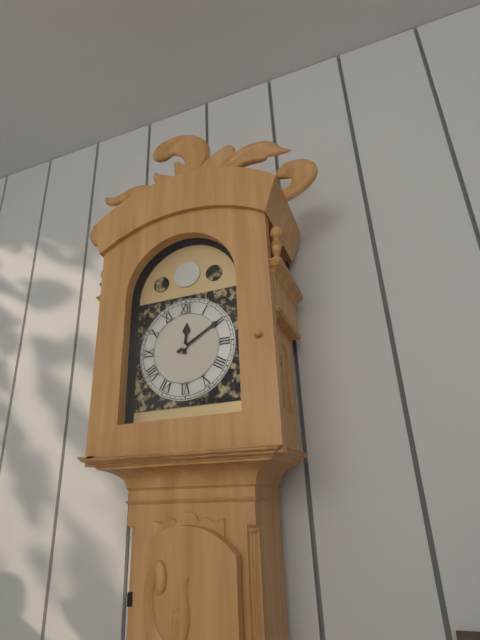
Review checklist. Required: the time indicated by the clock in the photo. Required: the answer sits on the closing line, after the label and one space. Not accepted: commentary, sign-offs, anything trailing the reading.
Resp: 12:10
